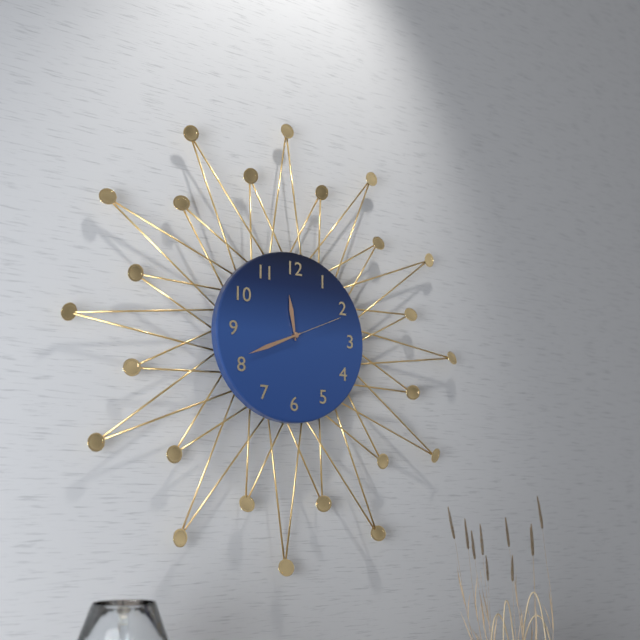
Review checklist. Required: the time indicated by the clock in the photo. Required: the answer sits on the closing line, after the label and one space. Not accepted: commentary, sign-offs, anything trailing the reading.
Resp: 11:41:11
